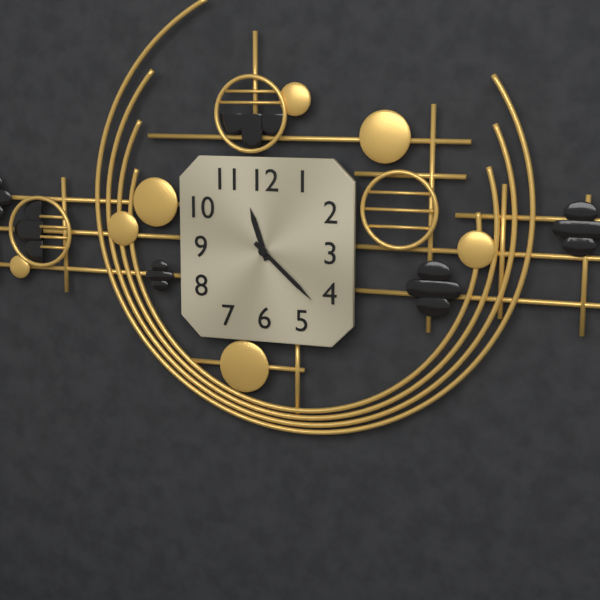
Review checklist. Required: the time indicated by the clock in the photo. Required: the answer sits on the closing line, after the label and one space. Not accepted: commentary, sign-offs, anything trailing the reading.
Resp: 11:22
